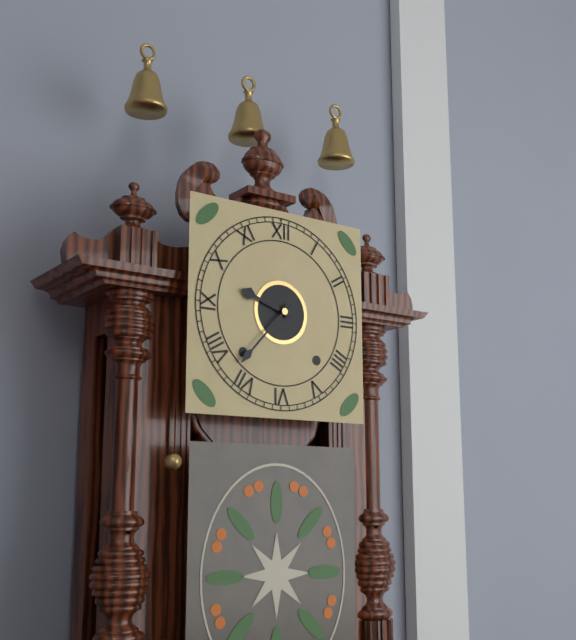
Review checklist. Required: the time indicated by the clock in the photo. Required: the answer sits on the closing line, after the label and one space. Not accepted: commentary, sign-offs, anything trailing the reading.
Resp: 9:37
